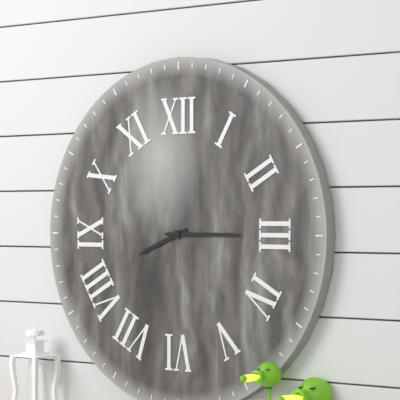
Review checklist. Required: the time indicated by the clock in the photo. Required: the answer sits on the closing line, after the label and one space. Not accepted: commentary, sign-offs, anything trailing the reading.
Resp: 8:15
